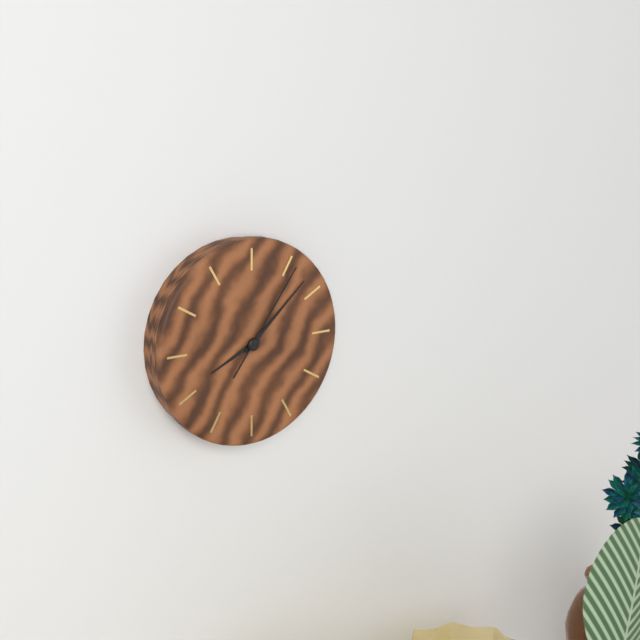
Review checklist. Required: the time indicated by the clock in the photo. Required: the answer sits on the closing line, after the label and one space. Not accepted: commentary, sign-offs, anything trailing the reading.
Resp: 8:08:06
